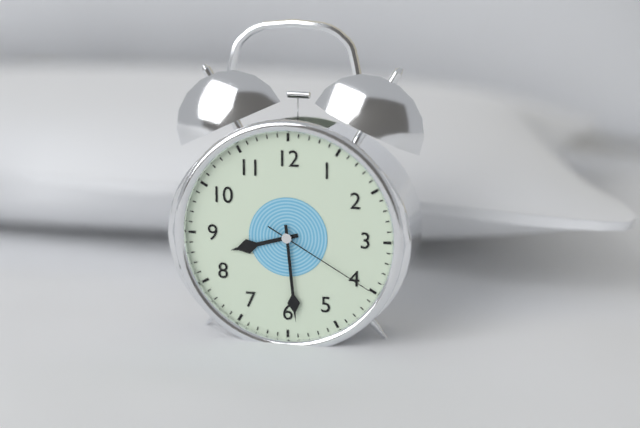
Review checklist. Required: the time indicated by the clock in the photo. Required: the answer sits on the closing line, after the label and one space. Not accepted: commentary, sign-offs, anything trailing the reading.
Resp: 8:29:20
